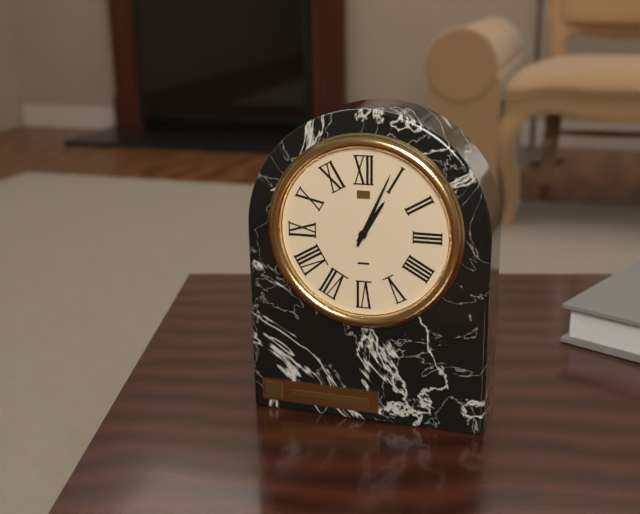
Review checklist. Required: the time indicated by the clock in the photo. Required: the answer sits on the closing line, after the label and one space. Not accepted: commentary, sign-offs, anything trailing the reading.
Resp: 1:04
